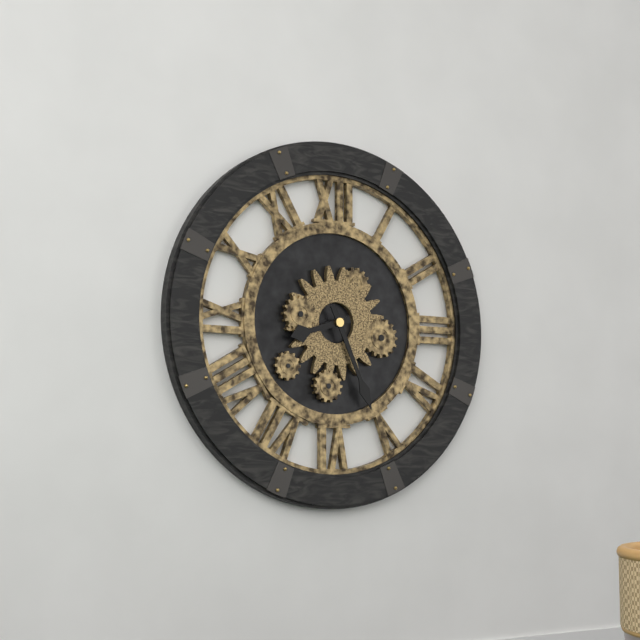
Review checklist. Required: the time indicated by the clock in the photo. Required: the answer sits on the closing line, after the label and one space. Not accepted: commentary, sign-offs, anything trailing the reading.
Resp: 8:26
